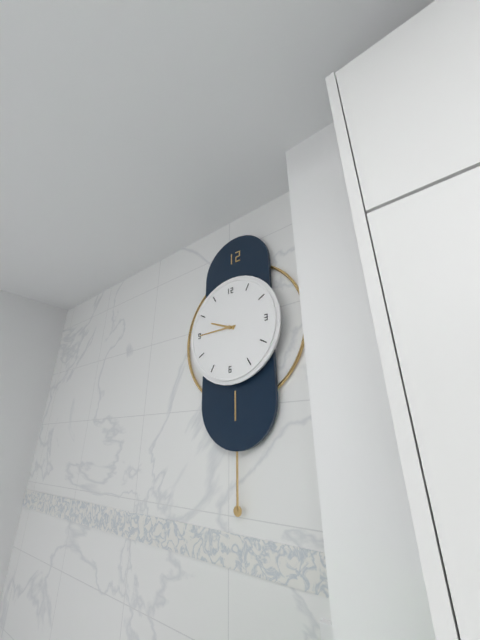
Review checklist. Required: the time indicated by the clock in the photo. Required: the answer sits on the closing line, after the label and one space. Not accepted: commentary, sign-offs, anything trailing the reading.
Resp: 9:45
